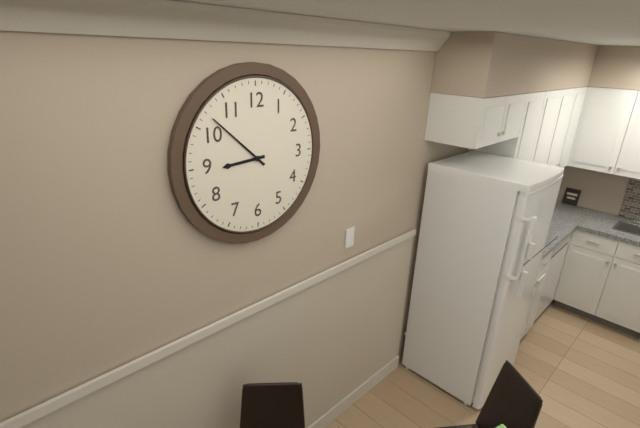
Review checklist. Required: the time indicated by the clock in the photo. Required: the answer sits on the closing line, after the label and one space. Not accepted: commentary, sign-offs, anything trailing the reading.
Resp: 8:52
